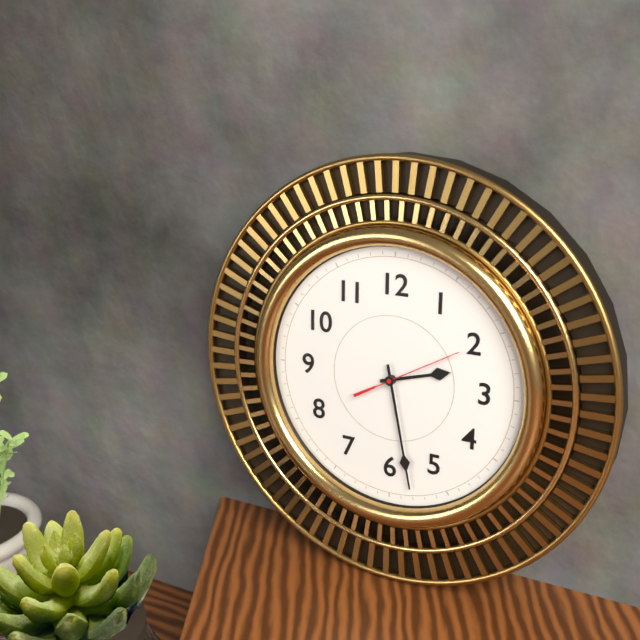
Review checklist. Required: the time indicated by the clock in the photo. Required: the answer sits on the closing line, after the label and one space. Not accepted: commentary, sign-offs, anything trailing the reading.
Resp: 2:28:10
